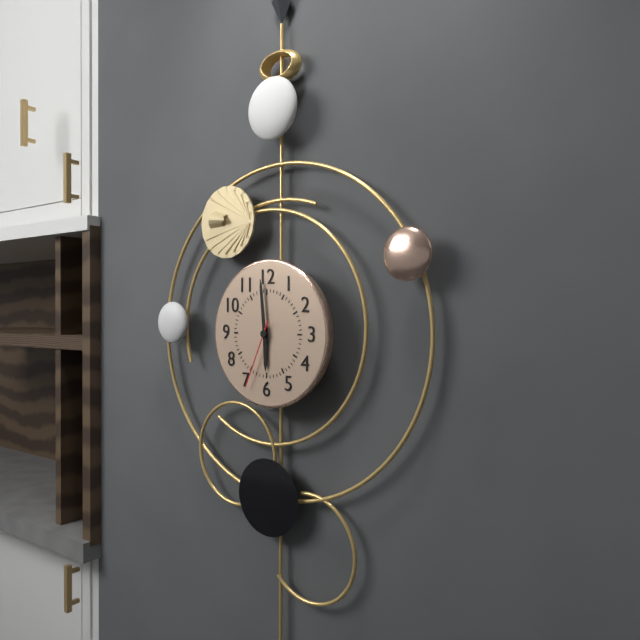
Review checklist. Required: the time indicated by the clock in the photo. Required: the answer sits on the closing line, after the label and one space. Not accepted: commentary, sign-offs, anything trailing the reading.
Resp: 5:59:34
